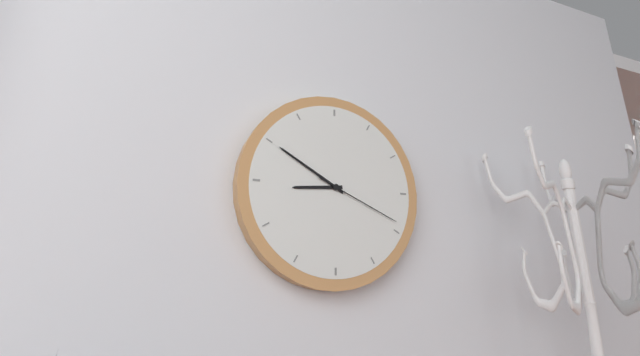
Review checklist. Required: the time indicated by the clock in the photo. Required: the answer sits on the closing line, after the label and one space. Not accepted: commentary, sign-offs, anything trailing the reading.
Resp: 8:50:19
